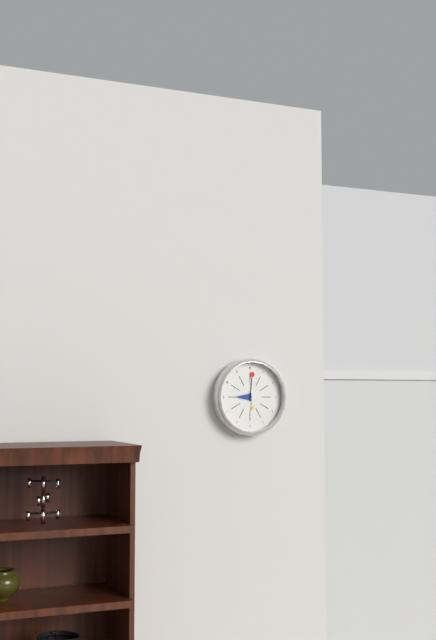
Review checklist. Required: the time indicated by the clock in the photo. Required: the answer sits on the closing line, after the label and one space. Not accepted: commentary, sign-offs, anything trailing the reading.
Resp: 9:01
